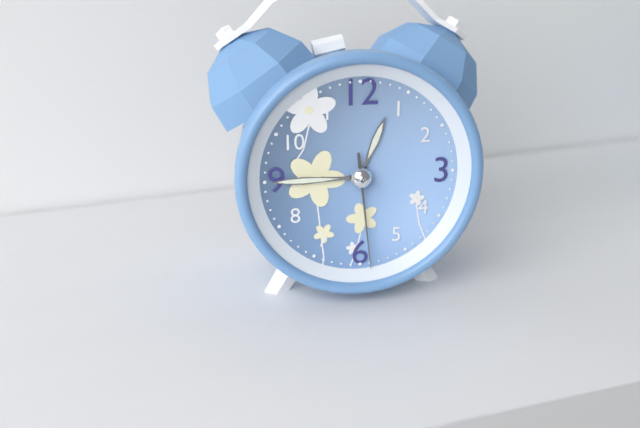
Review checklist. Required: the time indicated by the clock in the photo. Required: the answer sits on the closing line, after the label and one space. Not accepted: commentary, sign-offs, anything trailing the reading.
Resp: 12:45:29
